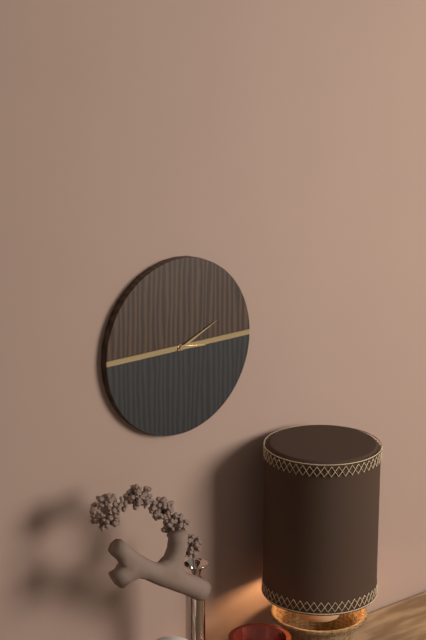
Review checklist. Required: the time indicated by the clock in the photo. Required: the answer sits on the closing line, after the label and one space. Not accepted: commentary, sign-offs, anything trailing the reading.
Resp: 3:11
